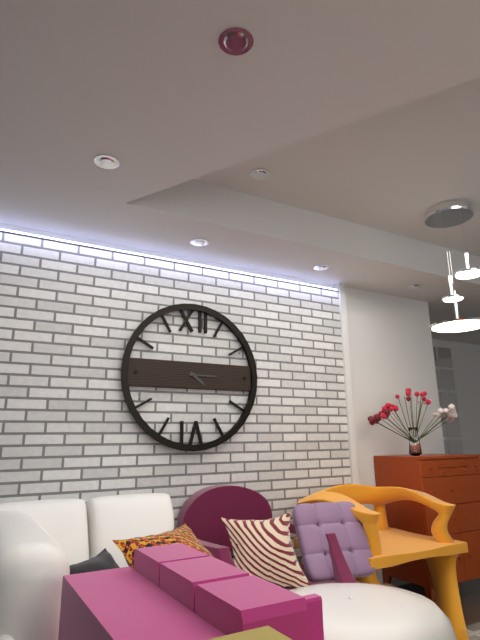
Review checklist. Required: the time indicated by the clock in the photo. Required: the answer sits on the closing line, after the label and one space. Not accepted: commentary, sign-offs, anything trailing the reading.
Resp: 4:15
